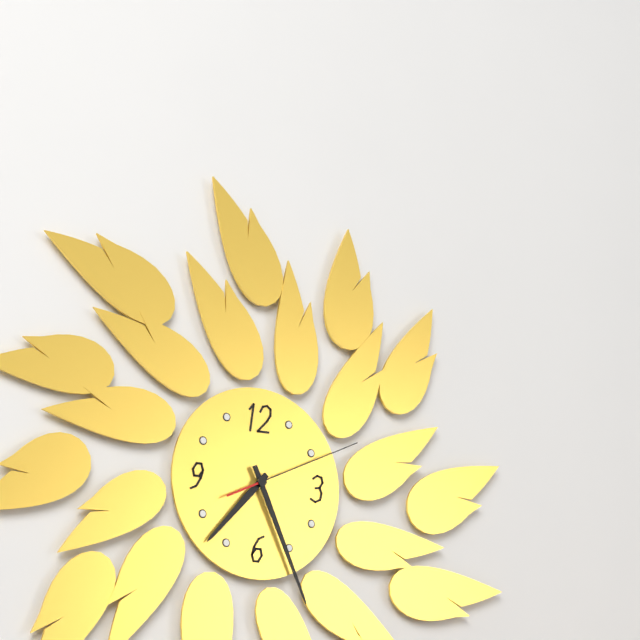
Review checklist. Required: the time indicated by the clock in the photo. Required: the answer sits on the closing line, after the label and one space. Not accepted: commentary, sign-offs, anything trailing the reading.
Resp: 7:26:11
